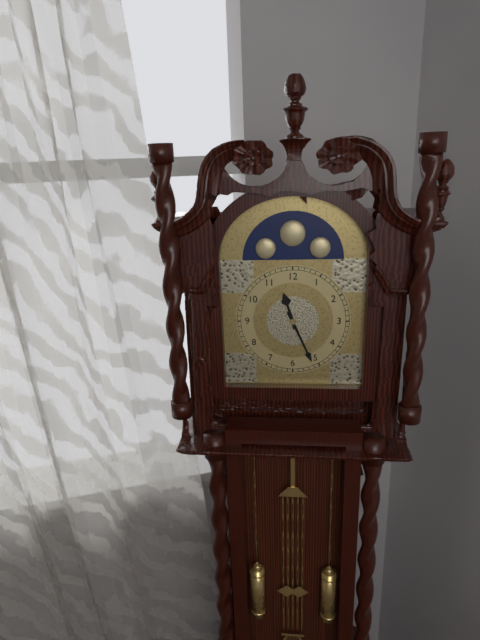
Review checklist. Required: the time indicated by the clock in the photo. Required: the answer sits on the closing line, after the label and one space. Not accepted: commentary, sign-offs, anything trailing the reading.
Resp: 11:26
